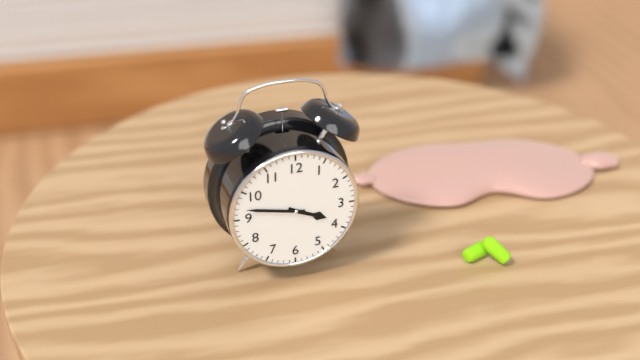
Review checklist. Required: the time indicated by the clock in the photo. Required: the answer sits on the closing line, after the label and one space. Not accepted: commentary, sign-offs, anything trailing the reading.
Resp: 3:47
